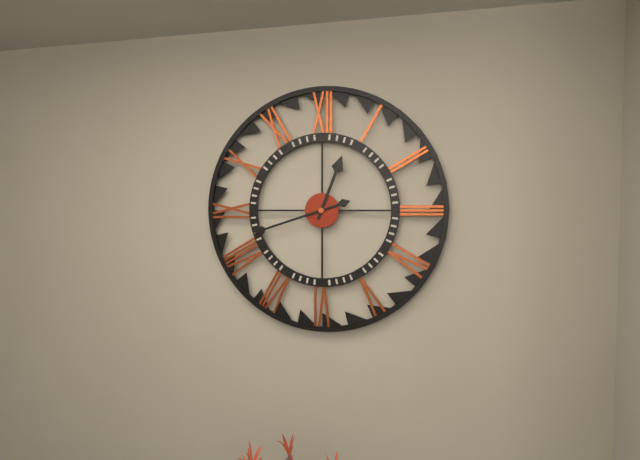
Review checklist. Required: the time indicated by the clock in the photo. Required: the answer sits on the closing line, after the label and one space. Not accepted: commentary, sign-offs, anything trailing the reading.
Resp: 12:42
